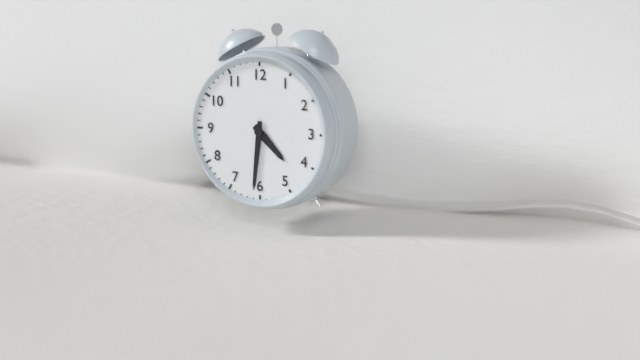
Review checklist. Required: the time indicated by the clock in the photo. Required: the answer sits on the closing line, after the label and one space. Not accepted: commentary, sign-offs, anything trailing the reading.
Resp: 4:31
